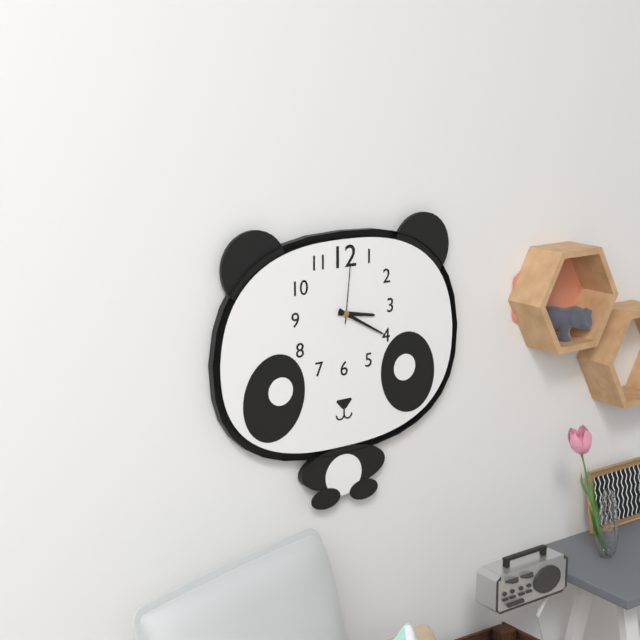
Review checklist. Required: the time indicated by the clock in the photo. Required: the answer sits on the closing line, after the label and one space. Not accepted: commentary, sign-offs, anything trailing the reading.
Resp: 3:20:01
